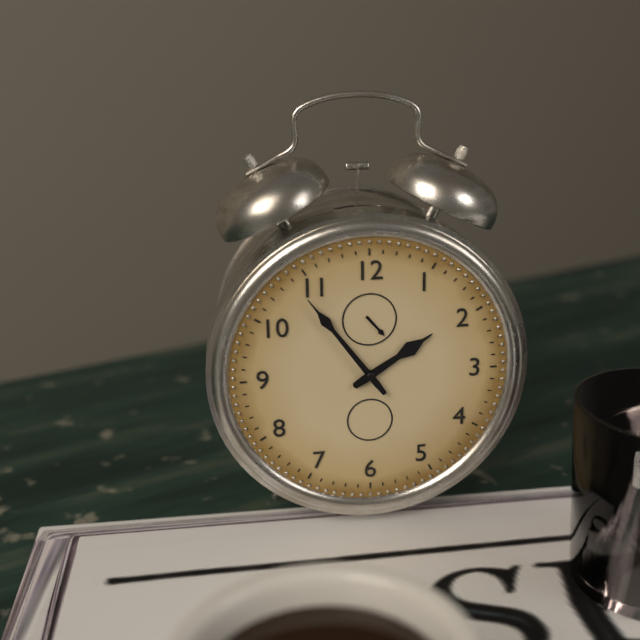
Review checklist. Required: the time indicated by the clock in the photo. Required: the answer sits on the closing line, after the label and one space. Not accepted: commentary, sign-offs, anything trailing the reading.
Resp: 1:54
